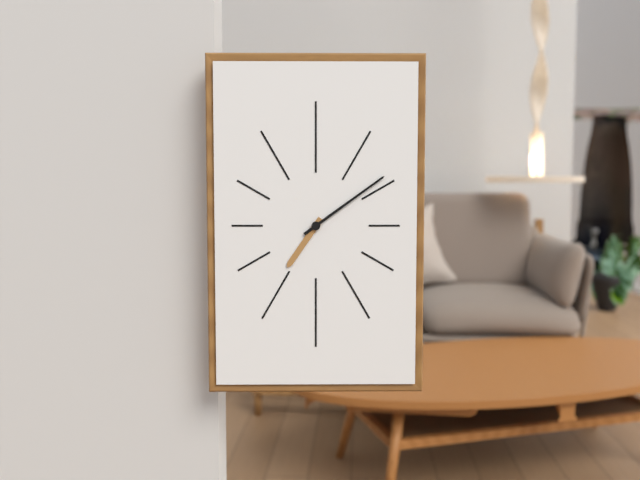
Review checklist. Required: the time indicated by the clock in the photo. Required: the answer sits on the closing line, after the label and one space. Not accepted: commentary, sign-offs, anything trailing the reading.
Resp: 7:09
